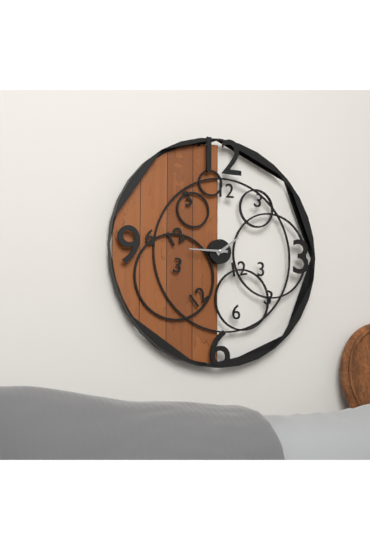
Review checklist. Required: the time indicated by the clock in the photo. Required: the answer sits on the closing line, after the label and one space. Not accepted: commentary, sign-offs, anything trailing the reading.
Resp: 1:45
